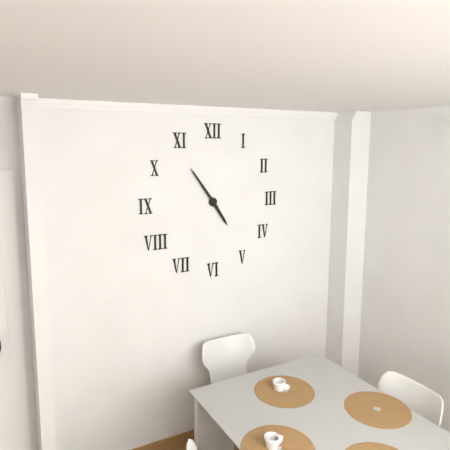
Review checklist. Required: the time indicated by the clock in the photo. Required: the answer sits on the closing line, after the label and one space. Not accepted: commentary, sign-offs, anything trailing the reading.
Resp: 4:54
